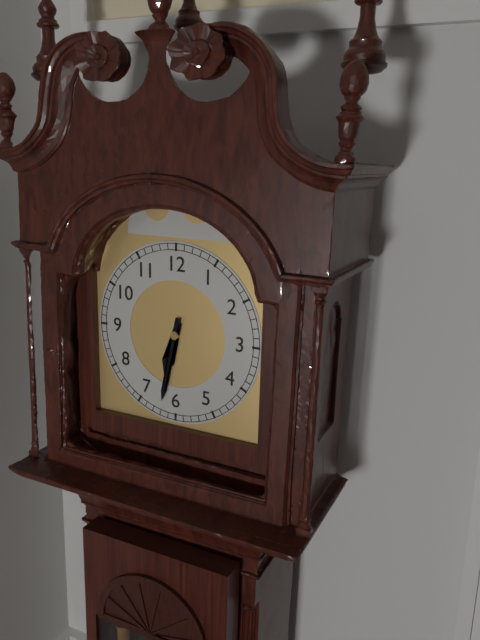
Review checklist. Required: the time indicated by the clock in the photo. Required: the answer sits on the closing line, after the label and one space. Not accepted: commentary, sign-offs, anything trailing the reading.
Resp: 6:32
